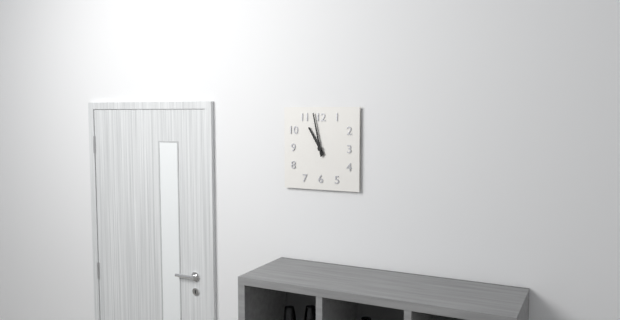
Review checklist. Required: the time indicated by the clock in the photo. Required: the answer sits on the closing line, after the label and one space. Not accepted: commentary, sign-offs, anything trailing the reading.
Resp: 10:58
